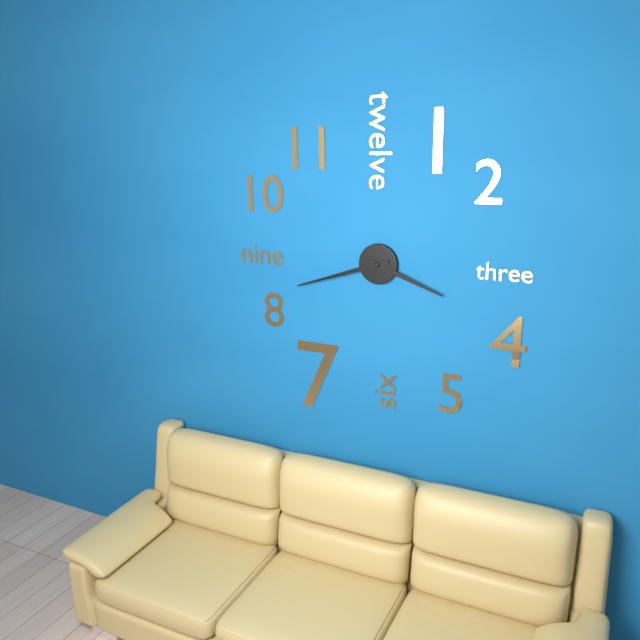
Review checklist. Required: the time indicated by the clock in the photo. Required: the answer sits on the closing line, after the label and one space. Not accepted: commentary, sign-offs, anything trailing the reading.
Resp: 3:42
